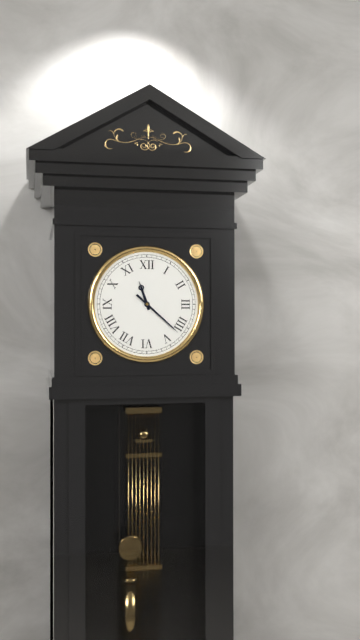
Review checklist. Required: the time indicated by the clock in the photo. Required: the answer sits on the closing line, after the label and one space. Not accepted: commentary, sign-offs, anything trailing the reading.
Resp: 11:22
